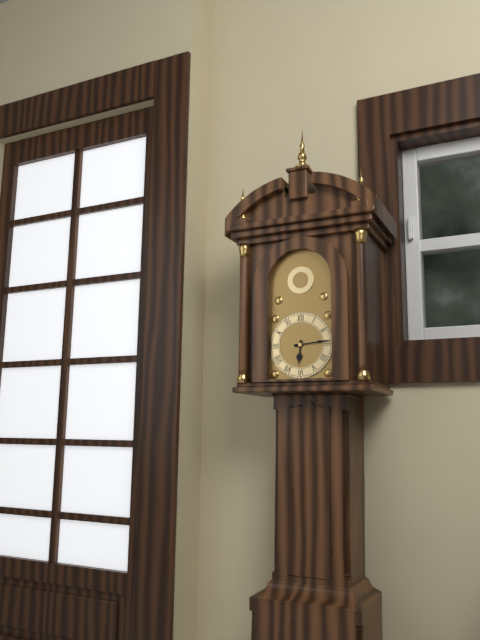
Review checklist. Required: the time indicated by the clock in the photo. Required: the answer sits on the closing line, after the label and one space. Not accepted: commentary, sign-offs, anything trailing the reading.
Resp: 6:14
